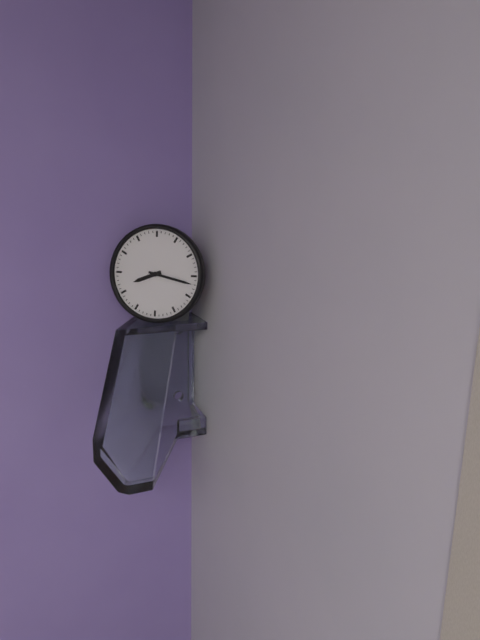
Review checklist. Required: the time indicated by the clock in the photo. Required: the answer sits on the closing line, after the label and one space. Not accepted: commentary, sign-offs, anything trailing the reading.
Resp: 8:17
